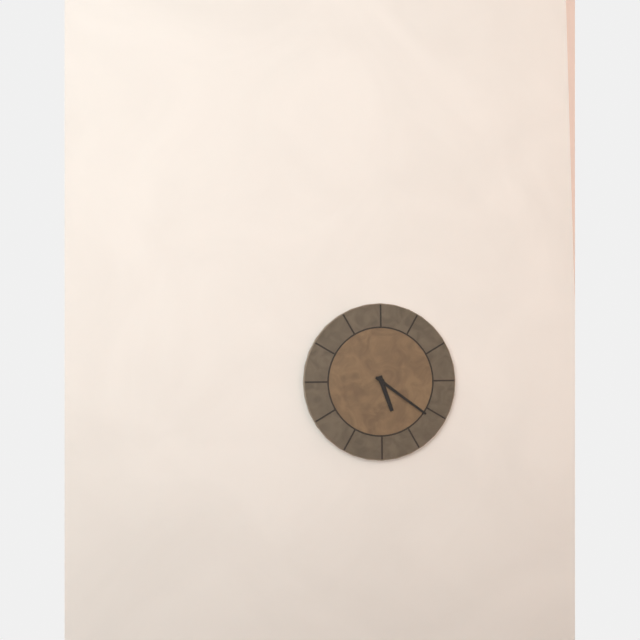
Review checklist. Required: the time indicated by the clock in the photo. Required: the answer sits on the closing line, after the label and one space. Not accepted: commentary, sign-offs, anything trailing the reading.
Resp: 5:21
